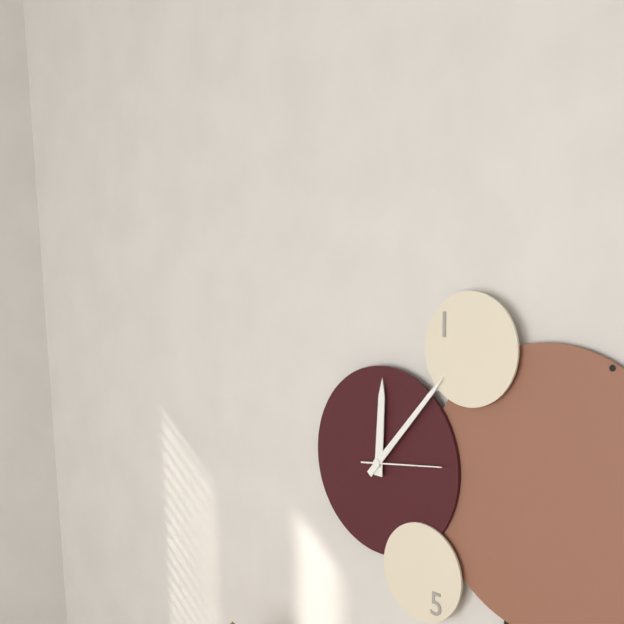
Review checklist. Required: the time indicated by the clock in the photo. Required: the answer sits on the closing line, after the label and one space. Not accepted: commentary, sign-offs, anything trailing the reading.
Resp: 12:07:14
